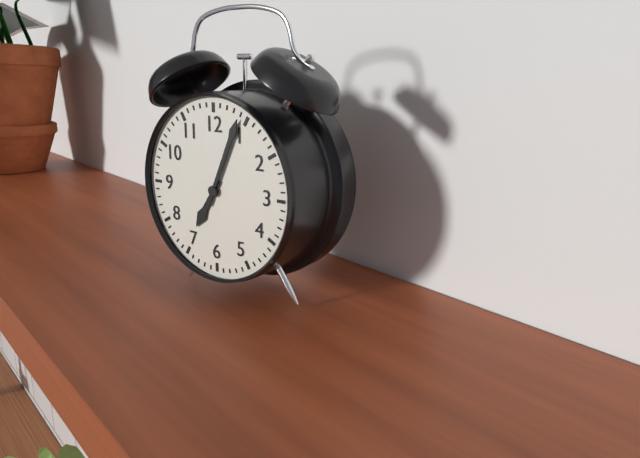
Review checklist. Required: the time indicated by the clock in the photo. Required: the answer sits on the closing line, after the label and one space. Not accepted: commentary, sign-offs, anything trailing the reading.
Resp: 7:04
